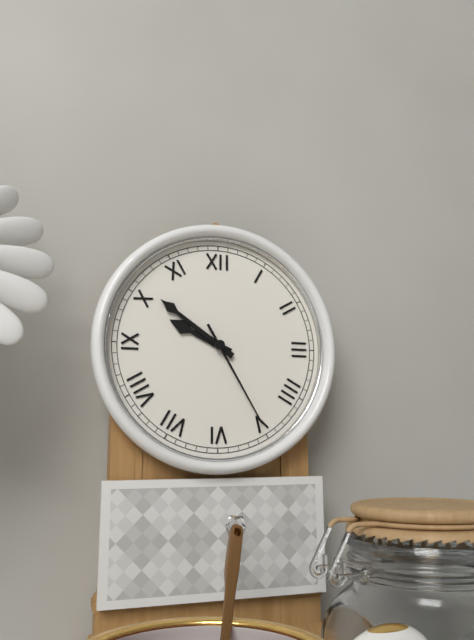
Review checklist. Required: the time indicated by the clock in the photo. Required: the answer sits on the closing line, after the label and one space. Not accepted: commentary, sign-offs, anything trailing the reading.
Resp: 9:51:25
